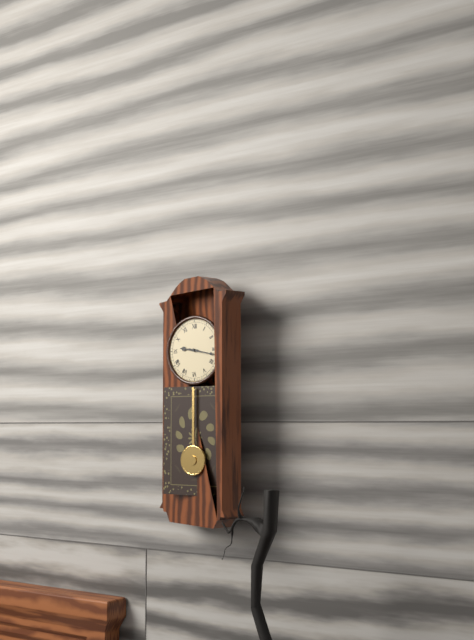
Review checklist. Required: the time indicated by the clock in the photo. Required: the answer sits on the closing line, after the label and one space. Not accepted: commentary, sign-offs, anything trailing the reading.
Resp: 9:17
